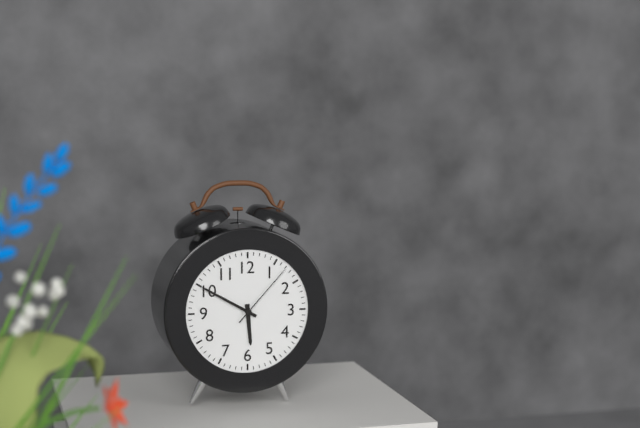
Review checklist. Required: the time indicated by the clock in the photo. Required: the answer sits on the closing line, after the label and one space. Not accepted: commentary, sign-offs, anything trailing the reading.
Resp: 5:50:07
